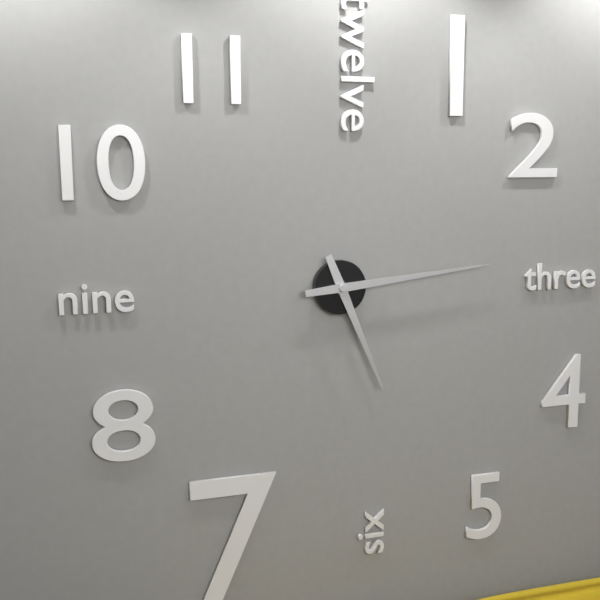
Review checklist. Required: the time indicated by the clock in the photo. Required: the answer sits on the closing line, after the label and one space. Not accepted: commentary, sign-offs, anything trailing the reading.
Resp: 5:14
